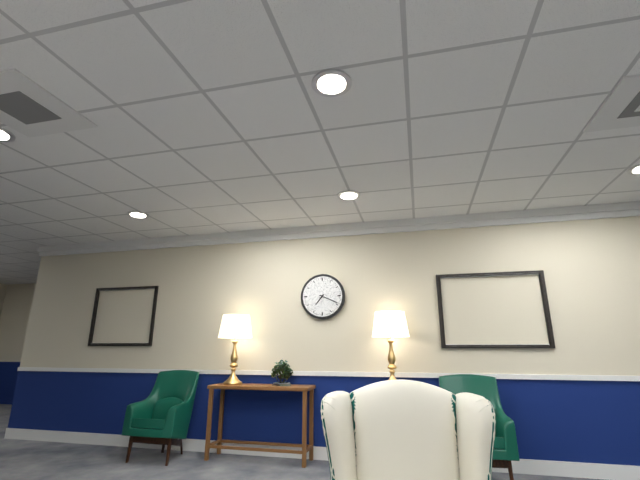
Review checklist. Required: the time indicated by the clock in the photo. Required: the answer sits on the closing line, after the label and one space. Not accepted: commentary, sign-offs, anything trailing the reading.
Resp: 7:19
